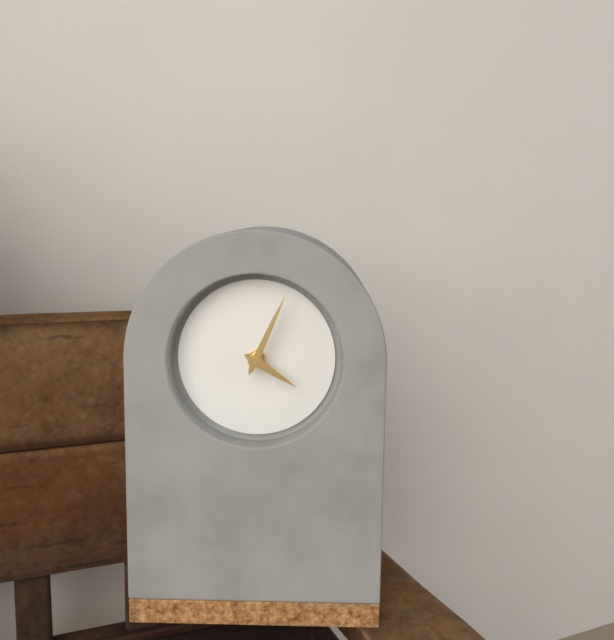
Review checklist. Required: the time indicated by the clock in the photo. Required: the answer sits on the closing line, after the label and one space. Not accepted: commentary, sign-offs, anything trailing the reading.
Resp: 4:04
